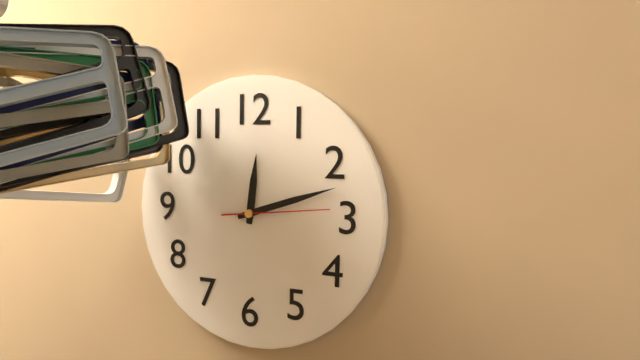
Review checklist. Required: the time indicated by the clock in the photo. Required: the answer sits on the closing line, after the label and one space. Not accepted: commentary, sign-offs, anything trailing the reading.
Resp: 12:12:14
